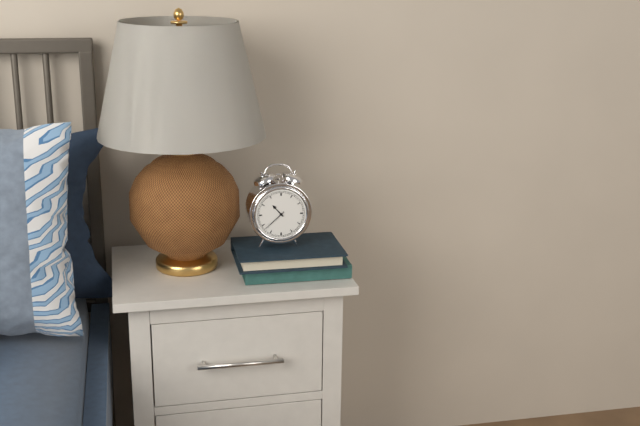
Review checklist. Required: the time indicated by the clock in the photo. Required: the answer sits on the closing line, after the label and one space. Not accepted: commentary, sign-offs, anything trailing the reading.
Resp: 10:38
